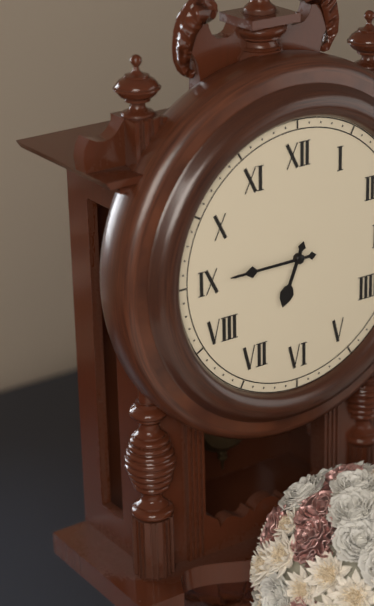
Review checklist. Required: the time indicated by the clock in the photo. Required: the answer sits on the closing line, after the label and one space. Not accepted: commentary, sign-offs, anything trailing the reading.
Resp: 6:45
